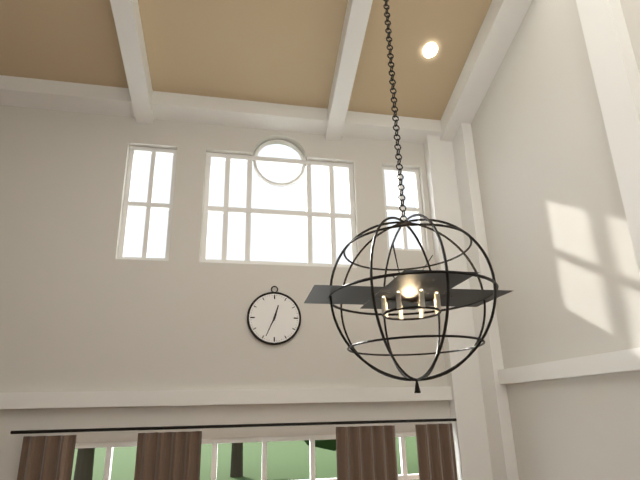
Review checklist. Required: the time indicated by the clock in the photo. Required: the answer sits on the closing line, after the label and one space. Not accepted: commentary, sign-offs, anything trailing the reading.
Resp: 12:34
